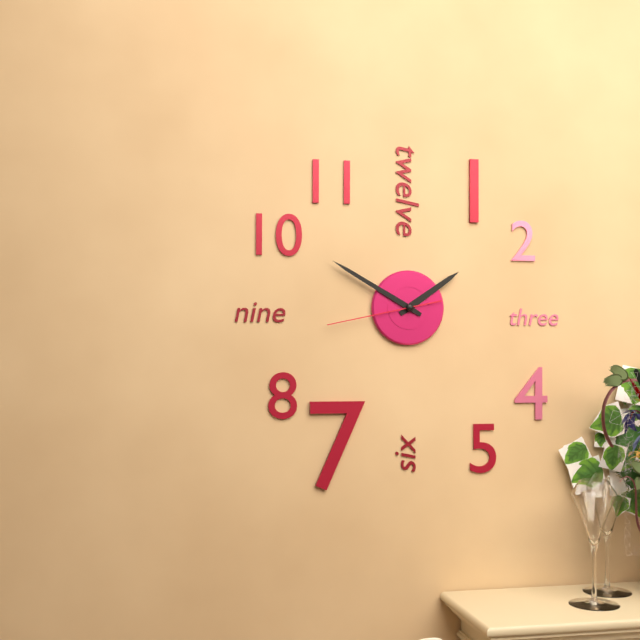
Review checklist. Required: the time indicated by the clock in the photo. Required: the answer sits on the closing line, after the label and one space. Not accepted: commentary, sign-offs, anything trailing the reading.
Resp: 1:50:43
